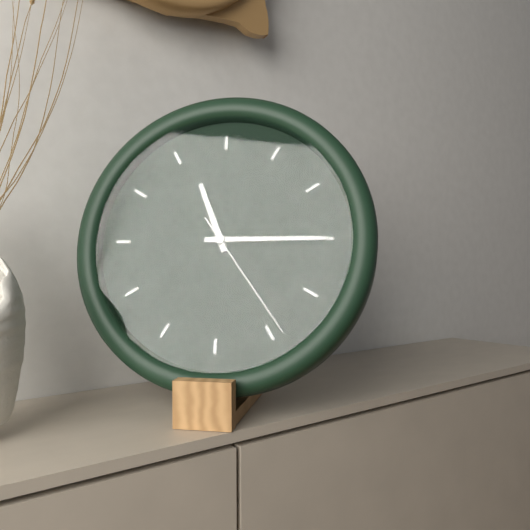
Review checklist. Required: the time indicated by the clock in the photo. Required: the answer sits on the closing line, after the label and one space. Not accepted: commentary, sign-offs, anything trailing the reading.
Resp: 11:15:24
